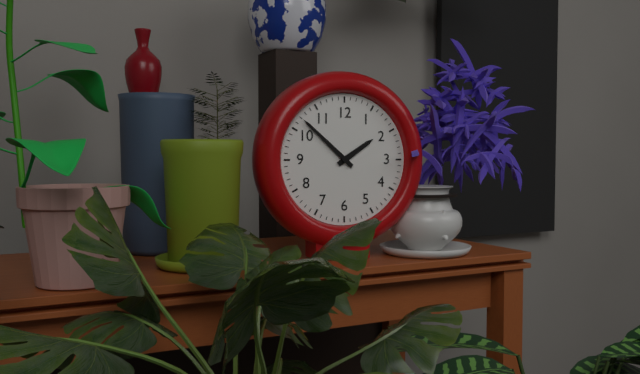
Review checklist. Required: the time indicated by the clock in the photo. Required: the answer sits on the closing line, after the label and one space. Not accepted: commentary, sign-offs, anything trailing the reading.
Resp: 1:52
